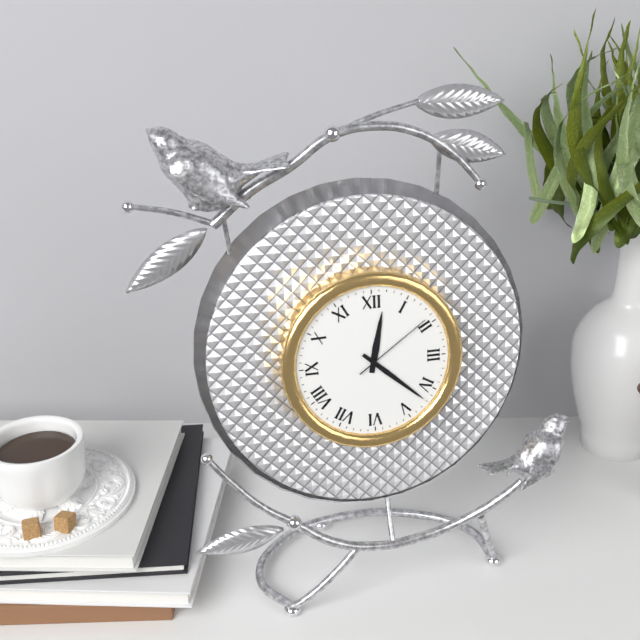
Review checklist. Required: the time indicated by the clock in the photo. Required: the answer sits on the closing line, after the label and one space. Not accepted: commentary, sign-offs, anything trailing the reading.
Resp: 12:22:09
